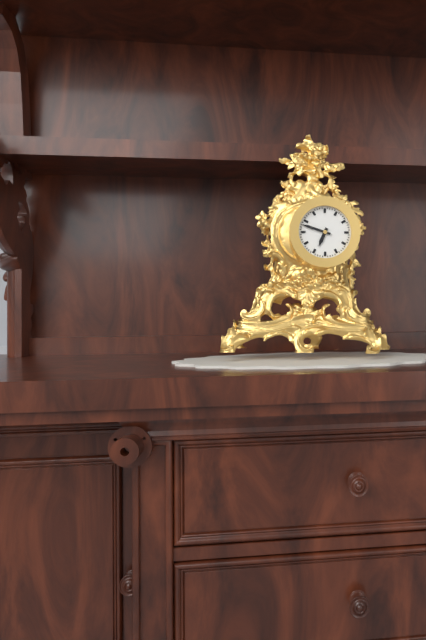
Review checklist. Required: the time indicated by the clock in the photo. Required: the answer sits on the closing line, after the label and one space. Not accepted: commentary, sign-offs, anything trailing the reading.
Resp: 6:48
